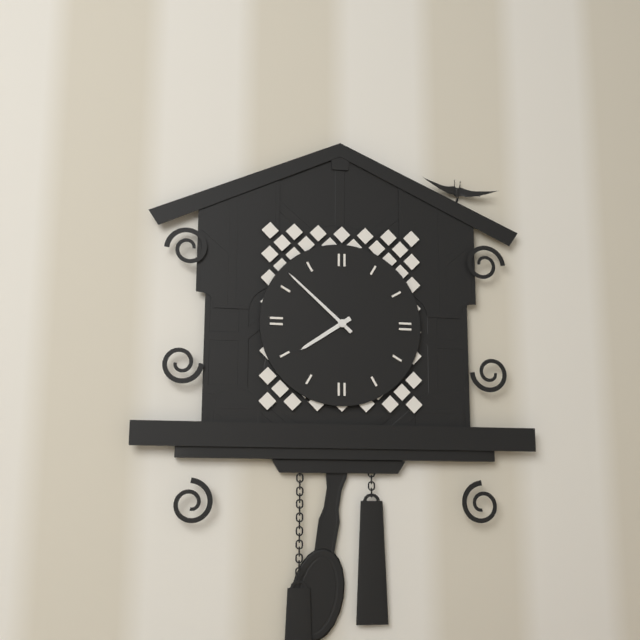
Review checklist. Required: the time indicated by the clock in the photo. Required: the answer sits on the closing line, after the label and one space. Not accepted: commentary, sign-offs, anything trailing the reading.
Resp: 7:52
